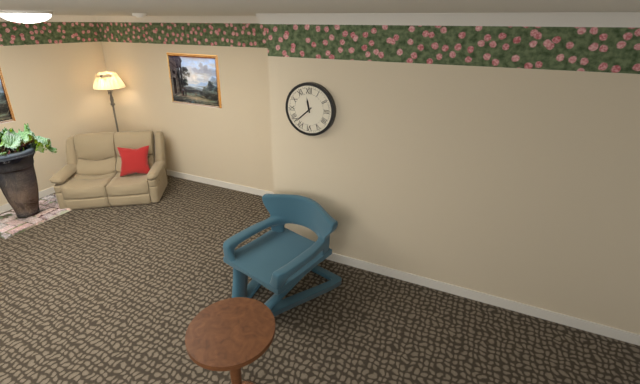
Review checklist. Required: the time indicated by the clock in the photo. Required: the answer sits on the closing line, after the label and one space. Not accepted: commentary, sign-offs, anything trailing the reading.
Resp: 11:38
